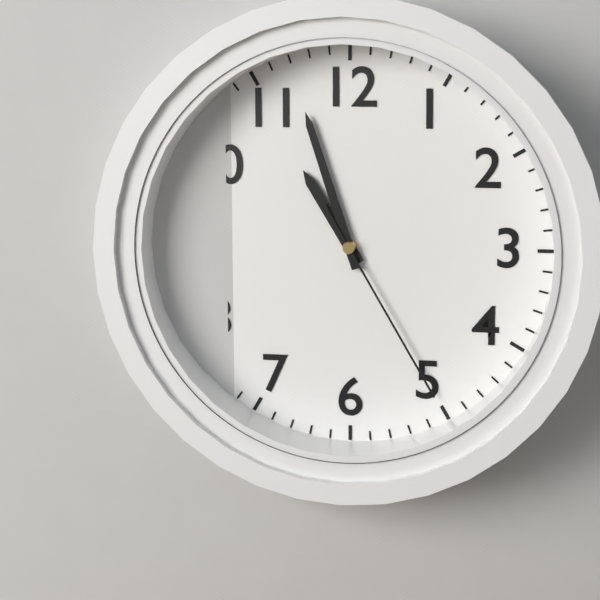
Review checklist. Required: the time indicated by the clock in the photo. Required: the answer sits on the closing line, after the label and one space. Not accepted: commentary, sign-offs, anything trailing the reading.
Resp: 10:57:25
